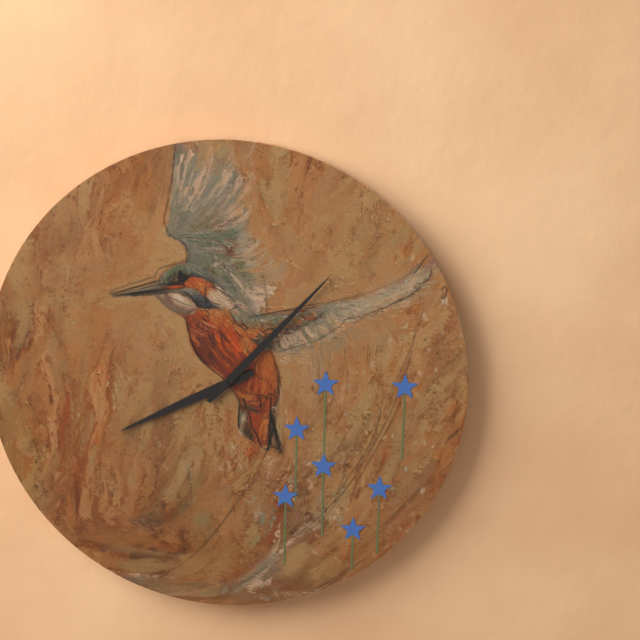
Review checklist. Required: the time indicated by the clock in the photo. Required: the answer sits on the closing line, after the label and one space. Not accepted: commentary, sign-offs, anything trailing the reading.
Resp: 8:07
